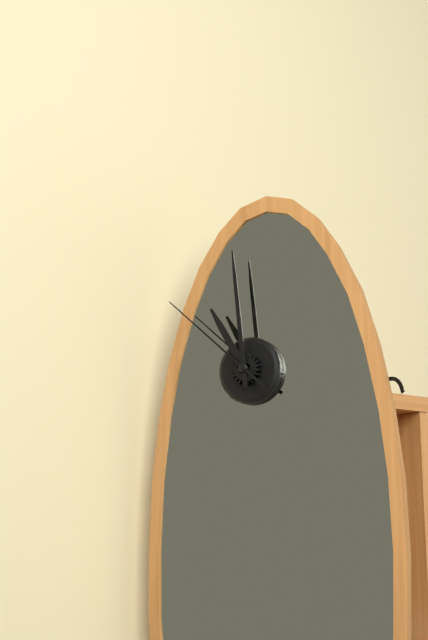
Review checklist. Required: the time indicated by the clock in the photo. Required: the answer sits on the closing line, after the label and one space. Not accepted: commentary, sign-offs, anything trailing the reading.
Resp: 10:59:52
